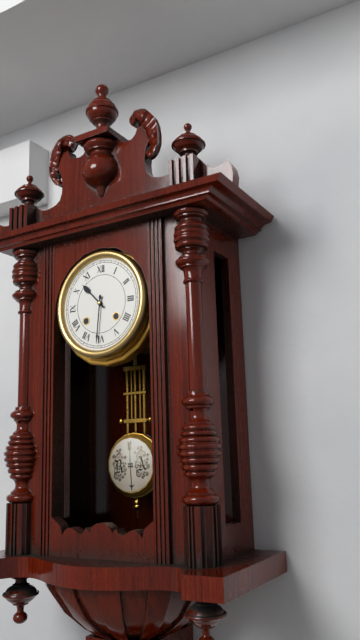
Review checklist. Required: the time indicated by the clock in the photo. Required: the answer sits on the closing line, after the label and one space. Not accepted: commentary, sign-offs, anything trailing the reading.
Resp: 10:31
